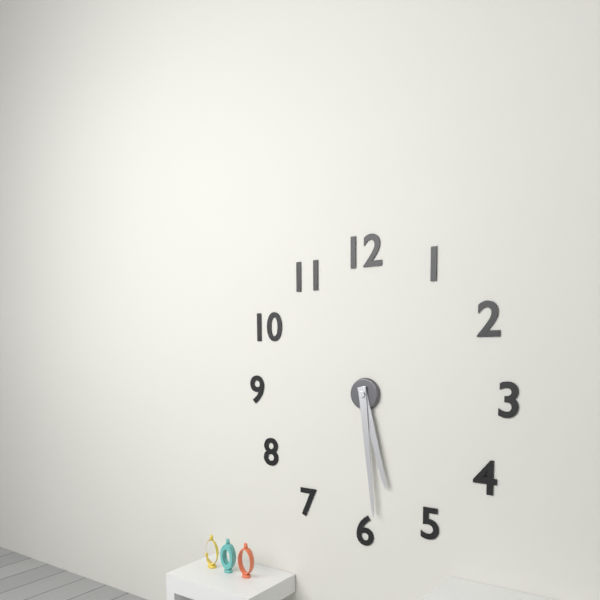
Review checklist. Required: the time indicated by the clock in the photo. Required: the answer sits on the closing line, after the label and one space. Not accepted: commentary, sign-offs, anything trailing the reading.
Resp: 5:29
